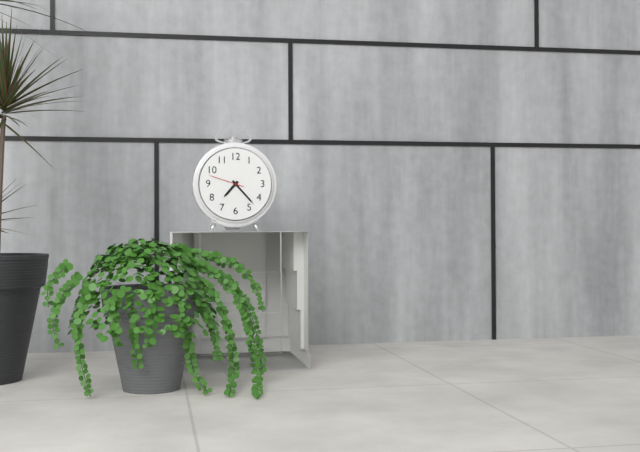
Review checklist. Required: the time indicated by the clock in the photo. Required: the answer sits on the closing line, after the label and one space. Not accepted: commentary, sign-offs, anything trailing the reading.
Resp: 7:23
